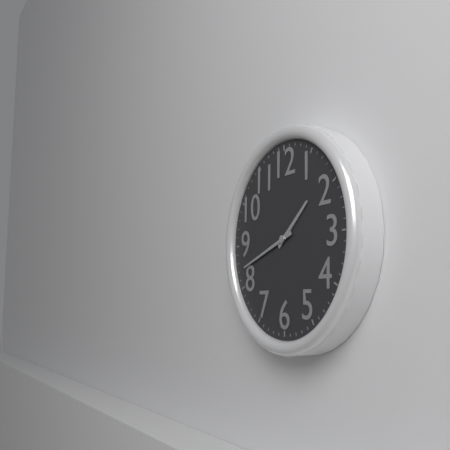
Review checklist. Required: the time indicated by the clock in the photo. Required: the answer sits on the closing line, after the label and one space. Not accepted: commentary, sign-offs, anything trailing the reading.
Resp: 1:42
